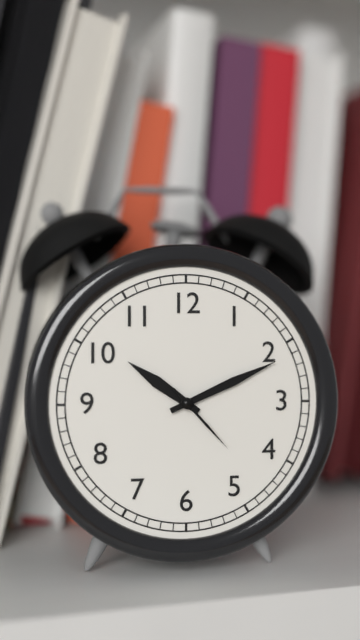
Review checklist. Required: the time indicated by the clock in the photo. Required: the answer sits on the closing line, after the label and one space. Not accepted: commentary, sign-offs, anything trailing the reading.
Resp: 10:11:23
